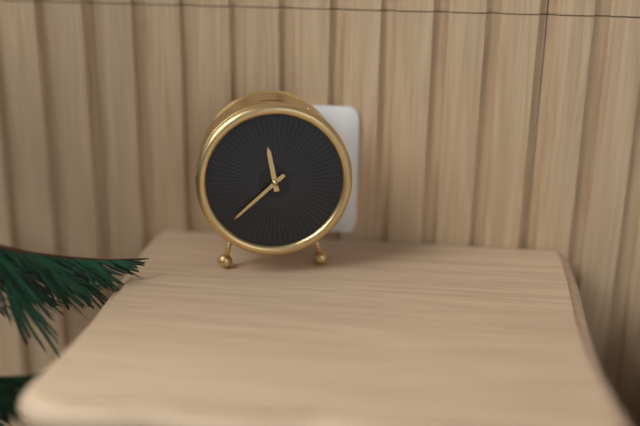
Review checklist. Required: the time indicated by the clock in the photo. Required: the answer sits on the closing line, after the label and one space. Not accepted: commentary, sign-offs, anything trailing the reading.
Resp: 11:38
